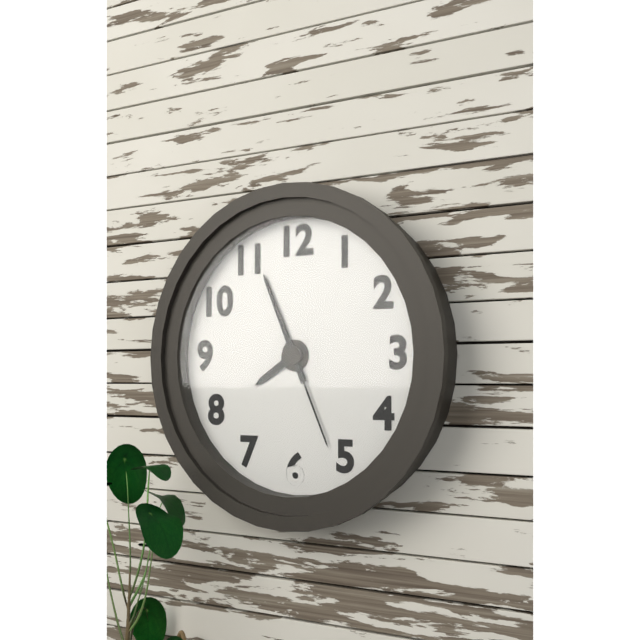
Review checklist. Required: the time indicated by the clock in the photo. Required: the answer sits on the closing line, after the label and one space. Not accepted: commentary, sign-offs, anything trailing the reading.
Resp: 7:56:26
